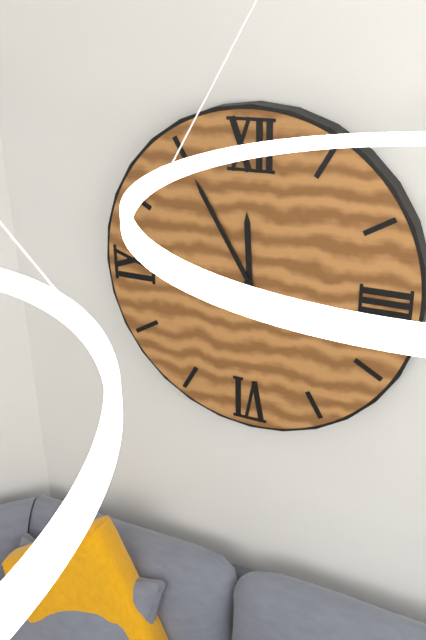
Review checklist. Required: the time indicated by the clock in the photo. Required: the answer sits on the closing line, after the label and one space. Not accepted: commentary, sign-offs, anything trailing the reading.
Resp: 11:55
